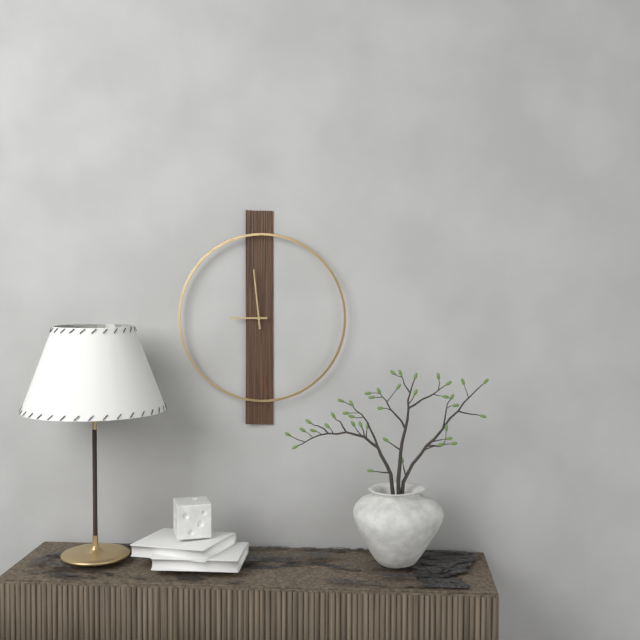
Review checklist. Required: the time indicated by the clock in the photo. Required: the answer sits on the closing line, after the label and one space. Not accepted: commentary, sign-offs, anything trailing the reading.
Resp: 8:59
